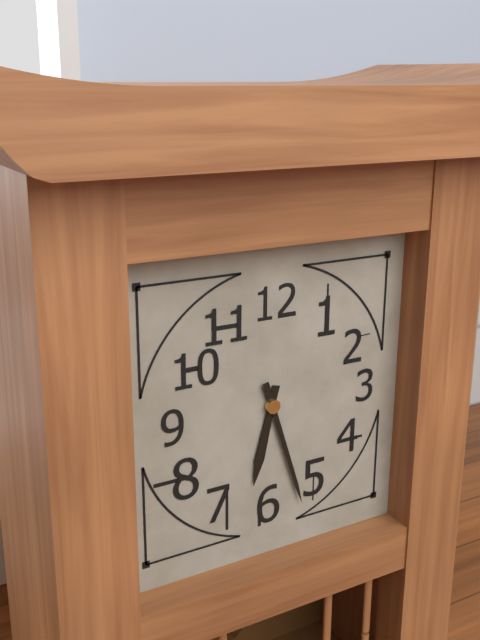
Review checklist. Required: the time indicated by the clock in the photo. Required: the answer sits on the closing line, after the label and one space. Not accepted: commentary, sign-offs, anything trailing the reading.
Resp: 6:27
